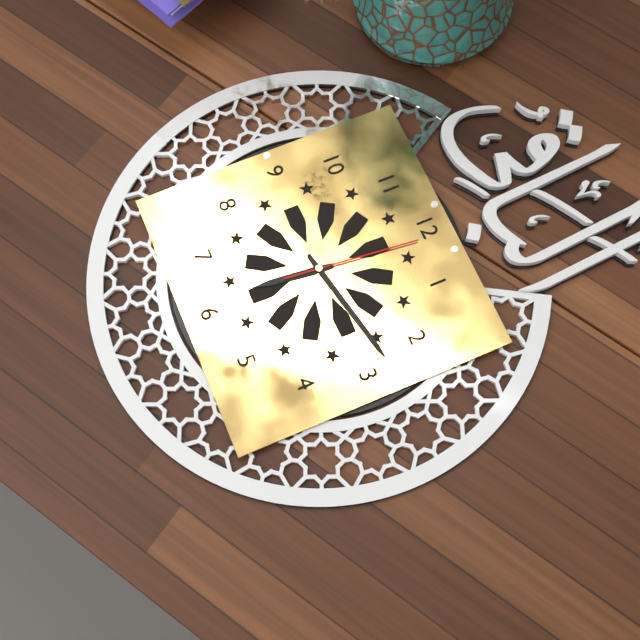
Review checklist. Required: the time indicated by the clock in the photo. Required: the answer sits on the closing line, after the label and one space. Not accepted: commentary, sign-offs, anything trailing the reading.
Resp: 6:13:01
